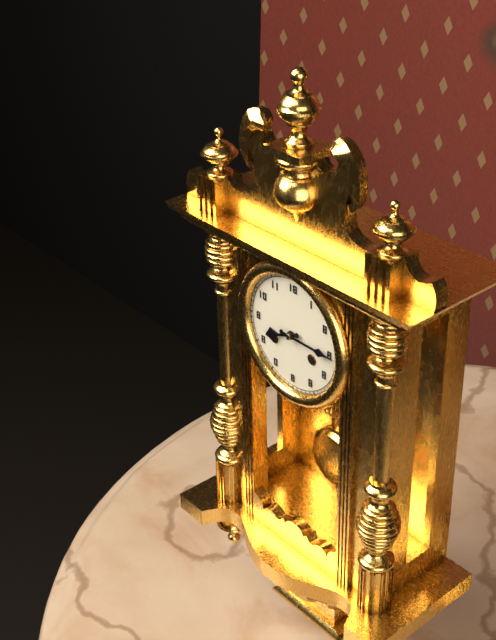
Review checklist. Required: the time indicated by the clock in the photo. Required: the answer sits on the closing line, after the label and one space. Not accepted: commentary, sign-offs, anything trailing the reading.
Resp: 8:15
